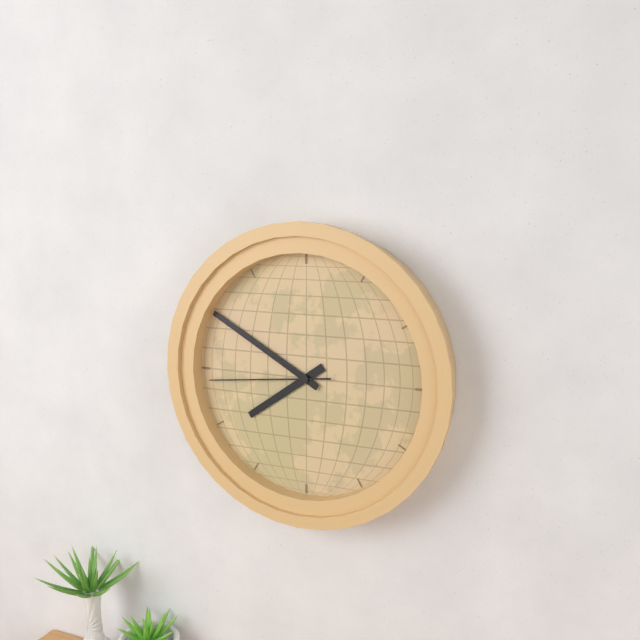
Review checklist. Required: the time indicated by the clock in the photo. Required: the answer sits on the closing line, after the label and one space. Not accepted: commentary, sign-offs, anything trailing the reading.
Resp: 7:50:44
